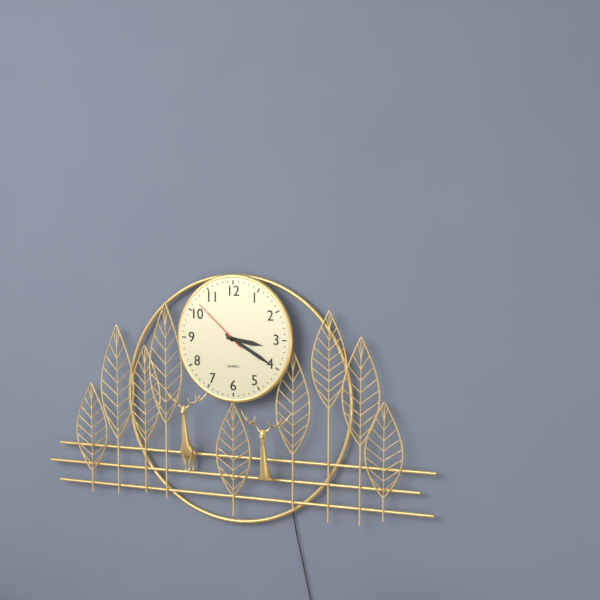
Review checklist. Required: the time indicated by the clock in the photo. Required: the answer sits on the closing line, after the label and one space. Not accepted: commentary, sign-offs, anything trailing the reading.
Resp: 3:20:52
